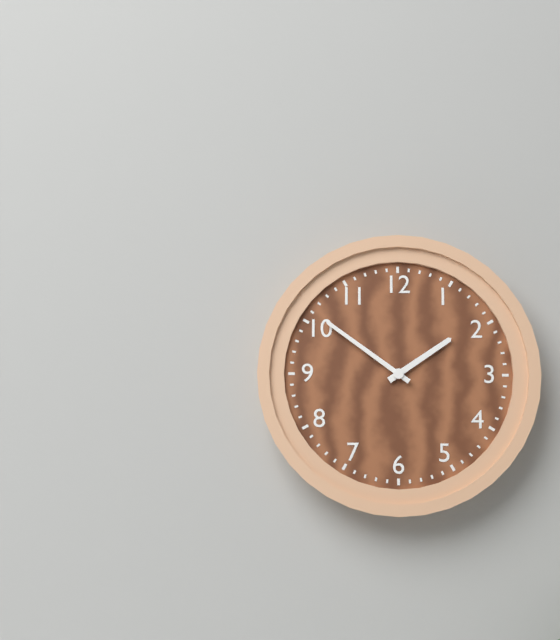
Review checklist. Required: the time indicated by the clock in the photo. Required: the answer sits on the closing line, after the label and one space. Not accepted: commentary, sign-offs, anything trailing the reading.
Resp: 1:51
